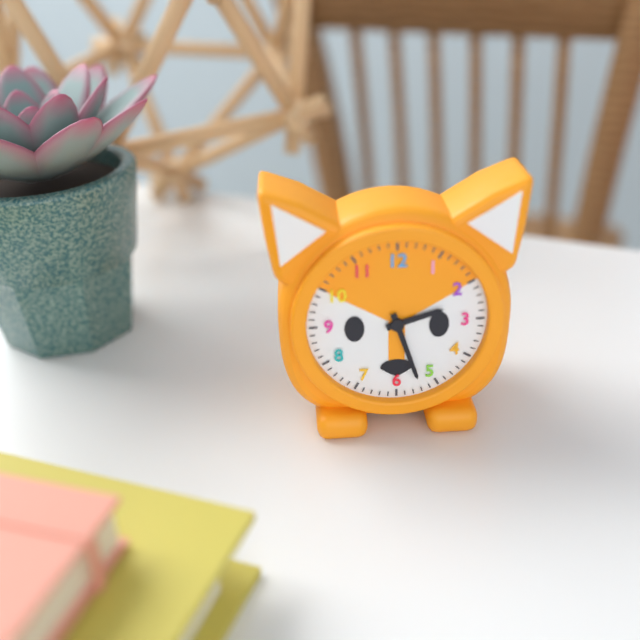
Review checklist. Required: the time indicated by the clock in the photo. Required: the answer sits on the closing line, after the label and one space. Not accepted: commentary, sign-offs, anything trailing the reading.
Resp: 2:27
